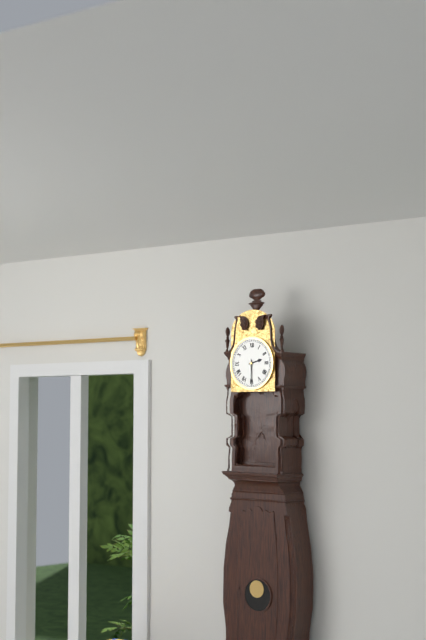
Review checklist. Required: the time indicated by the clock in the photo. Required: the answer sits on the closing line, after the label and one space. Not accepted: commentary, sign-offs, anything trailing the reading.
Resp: 2:30
